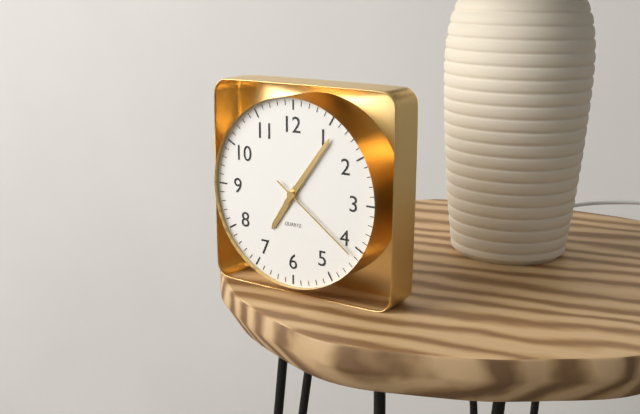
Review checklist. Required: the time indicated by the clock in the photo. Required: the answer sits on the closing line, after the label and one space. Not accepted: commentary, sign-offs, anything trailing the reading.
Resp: 7:06:21
